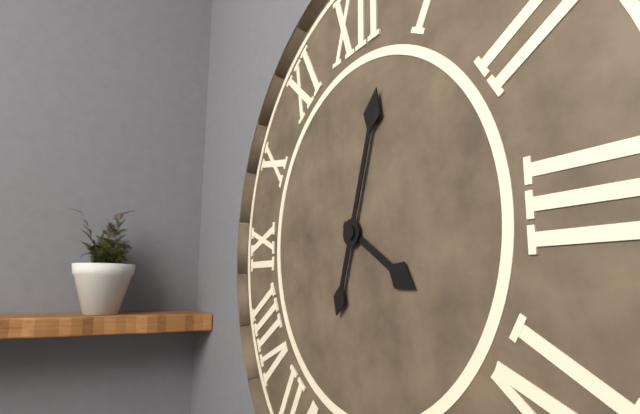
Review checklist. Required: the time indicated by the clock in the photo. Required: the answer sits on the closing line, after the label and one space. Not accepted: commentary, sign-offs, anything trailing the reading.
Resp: 4:03
